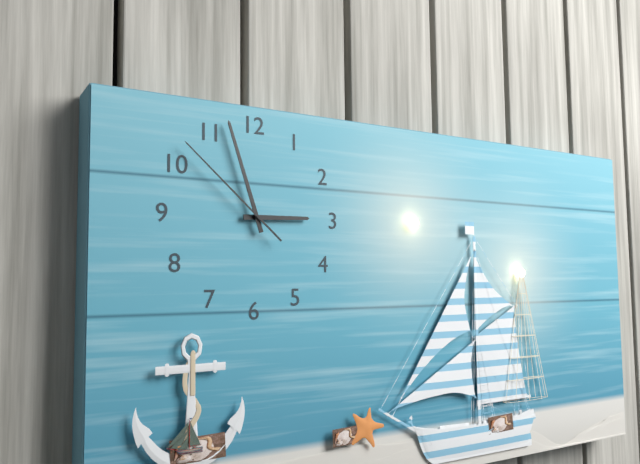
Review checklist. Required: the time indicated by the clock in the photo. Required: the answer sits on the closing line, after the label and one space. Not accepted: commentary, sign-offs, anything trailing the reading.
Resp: 2:57:52
